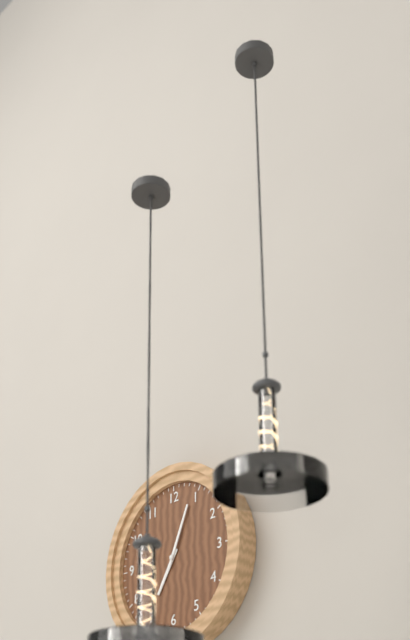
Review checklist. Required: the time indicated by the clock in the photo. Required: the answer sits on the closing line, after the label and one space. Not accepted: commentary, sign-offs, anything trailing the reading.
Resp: 7:04
